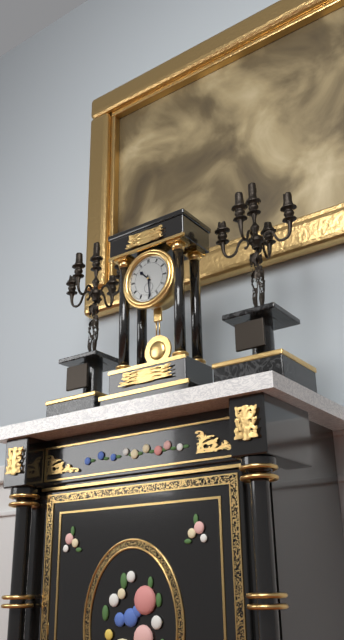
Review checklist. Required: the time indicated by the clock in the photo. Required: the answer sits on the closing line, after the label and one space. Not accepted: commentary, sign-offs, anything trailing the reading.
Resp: 10:29
